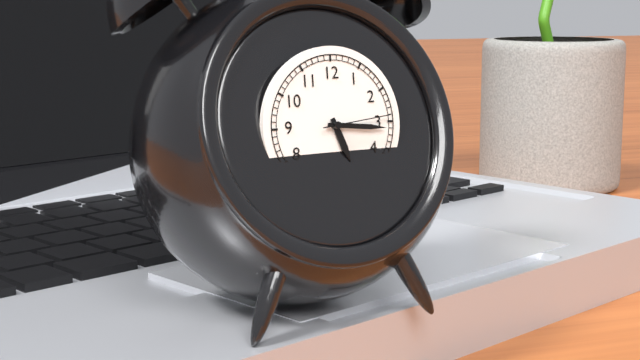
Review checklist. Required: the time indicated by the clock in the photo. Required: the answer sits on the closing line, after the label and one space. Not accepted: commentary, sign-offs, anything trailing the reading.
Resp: 5:16:14
